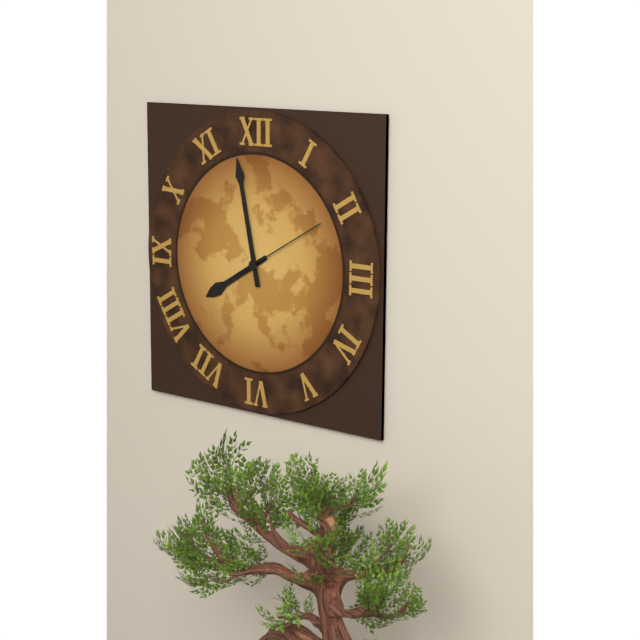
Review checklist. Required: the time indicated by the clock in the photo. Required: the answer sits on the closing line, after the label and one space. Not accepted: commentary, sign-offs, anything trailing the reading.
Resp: 7:58:10
